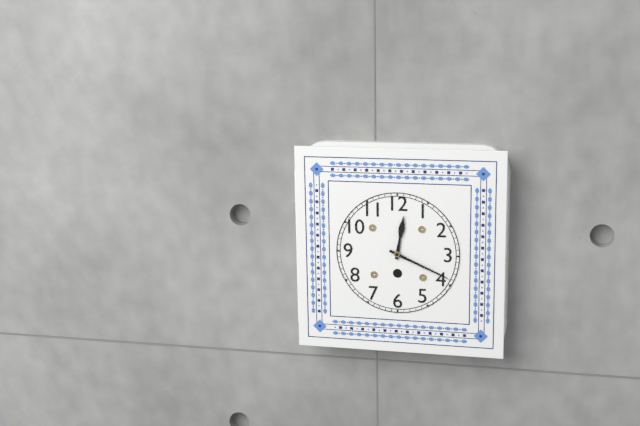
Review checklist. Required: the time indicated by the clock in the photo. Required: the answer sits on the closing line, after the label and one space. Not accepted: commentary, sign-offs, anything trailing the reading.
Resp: 12:19
